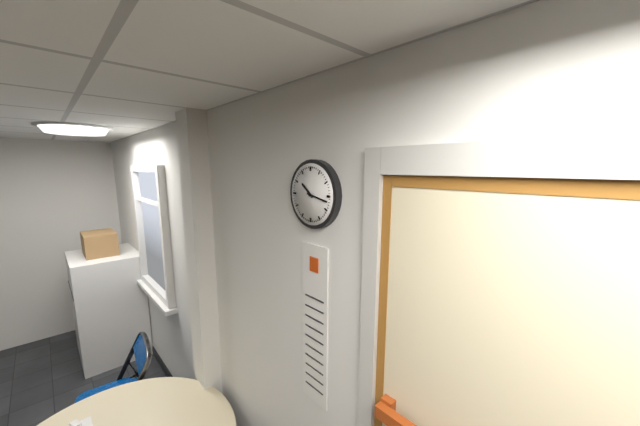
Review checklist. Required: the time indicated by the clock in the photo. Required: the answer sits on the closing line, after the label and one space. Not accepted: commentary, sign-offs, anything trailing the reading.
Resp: 10:17
